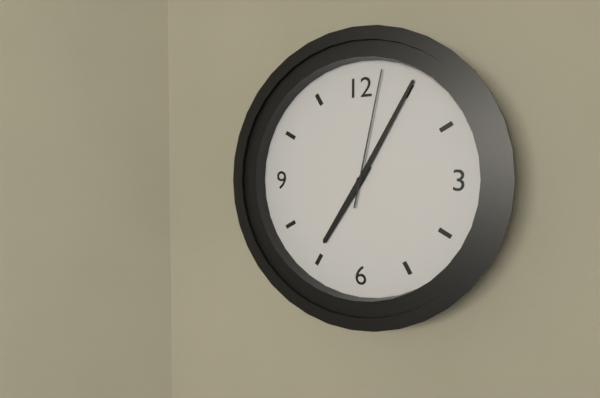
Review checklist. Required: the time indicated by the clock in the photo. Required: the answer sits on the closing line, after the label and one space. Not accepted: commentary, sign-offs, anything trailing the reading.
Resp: 7:05:02
